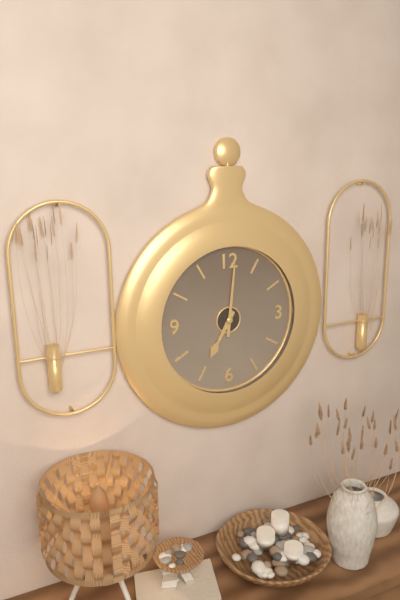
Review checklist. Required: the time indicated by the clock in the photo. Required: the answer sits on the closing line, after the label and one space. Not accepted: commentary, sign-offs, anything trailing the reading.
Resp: 7:01
